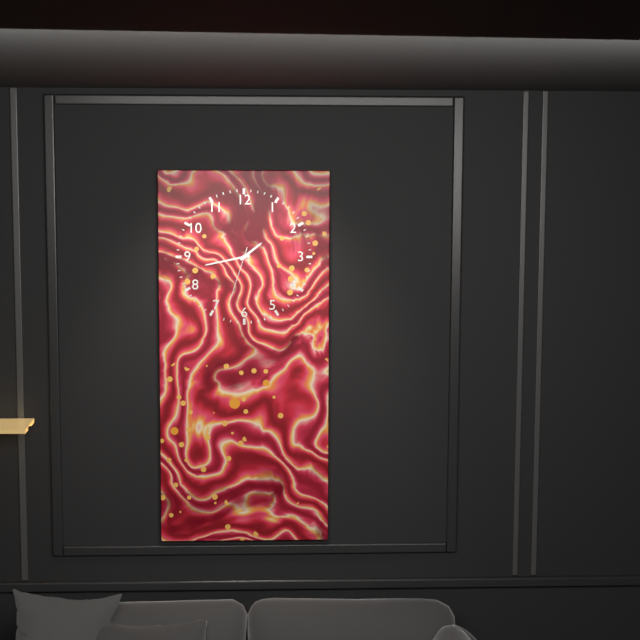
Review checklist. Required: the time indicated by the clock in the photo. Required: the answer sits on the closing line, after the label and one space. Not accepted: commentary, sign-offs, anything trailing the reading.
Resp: 1:43:33
